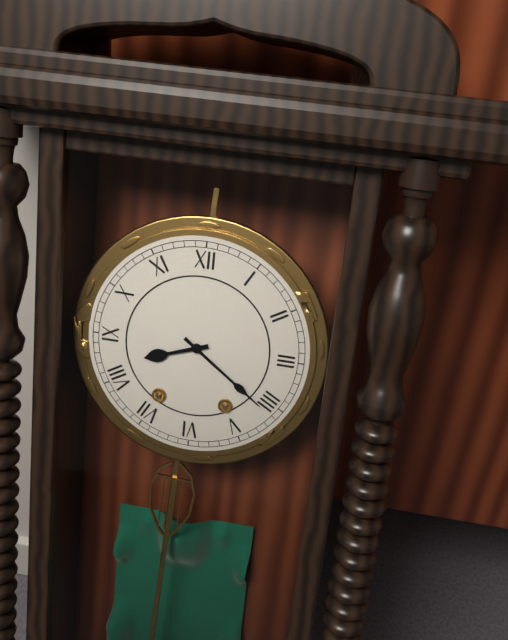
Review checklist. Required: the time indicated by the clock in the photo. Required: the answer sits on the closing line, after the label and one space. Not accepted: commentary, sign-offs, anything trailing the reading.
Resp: 8:21
